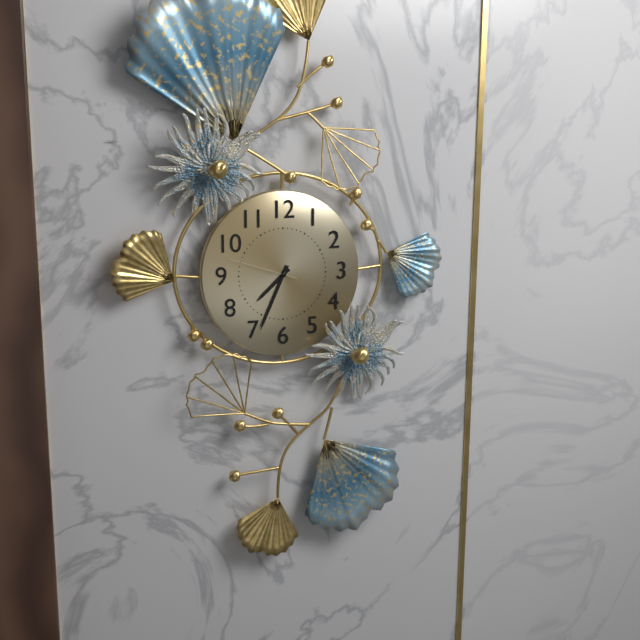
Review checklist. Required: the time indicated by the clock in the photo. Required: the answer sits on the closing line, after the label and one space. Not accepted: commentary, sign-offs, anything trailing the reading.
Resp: 7:34:48
